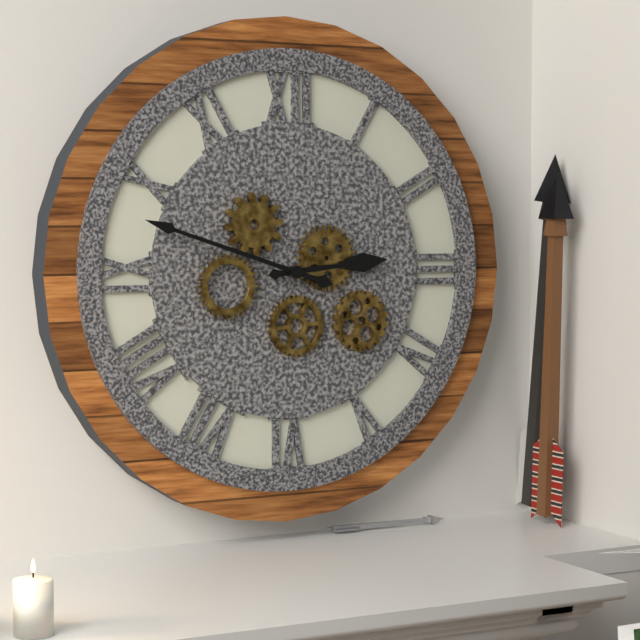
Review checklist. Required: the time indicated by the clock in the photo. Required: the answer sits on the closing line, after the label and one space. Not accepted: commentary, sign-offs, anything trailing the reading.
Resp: 2:48
